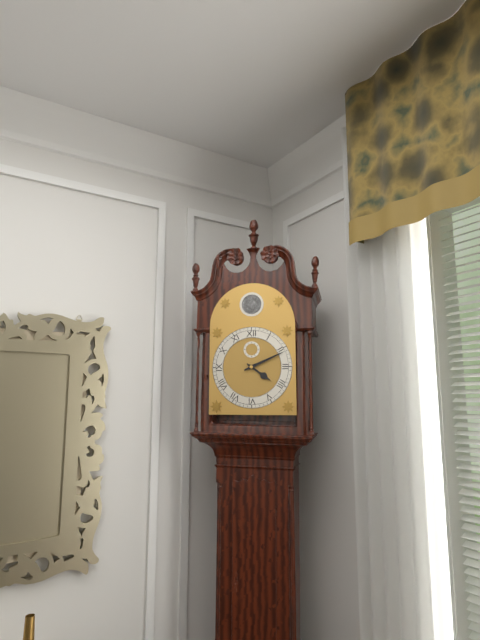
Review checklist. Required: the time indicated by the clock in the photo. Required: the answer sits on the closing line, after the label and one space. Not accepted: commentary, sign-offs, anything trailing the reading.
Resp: 4:11
